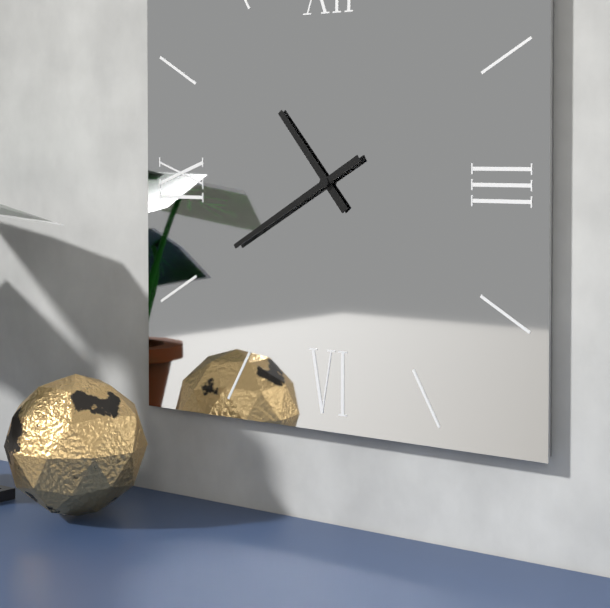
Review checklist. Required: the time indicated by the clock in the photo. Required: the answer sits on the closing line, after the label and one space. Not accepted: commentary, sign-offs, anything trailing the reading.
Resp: 10:40
